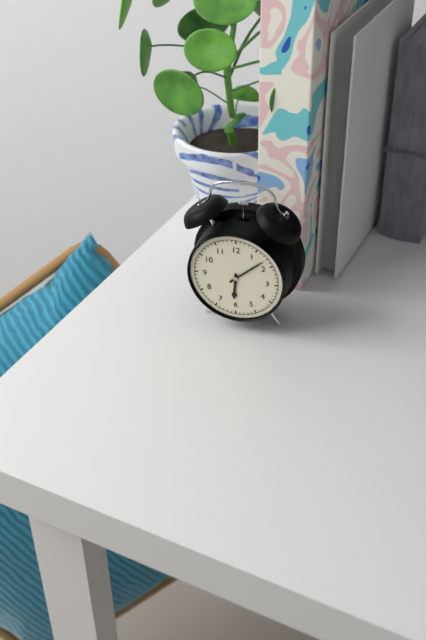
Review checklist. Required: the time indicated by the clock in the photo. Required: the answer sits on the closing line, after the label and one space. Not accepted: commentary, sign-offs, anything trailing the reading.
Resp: 6:08
